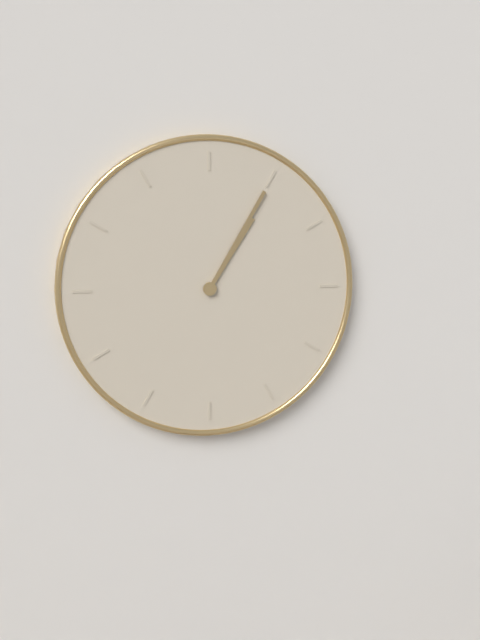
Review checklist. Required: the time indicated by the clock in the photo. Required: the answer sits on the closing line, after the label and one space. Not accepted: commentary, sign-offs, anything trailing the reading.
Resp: 1:05
